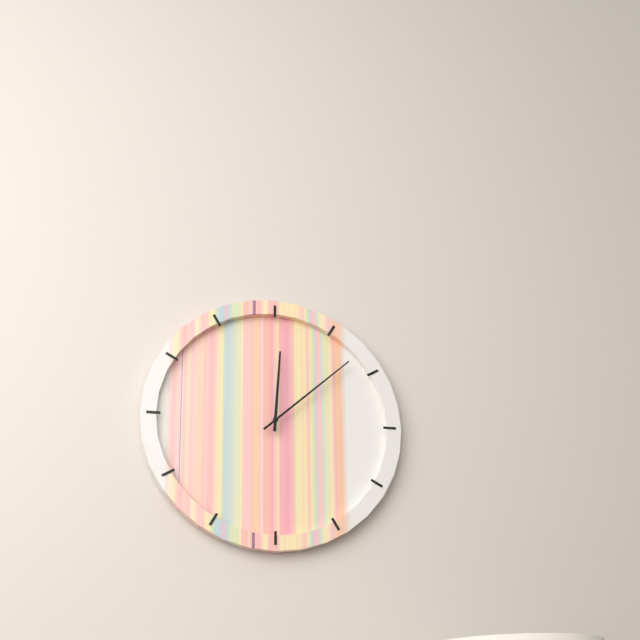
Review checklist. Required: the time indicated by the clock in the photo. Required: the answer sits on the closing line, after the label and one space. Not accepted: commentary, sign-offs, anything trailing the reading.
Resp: 12:08
